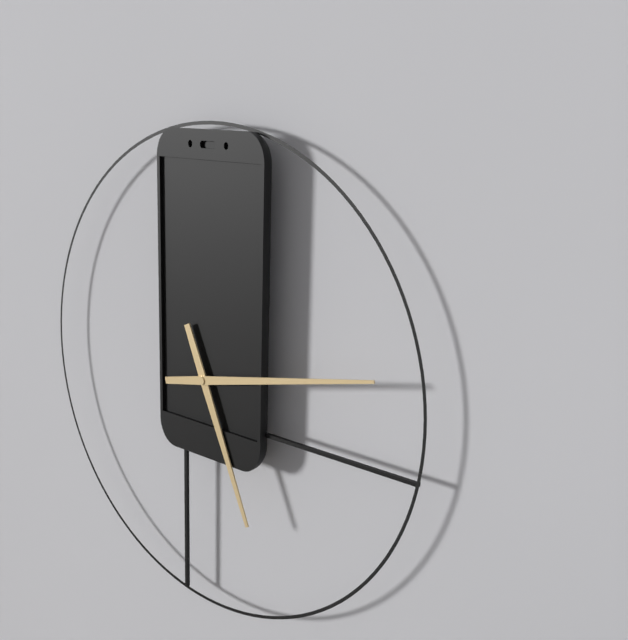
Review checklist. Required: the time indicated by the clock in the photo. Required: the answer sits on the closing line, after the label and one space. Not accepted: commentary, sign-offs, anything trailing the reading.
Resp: 5:13
